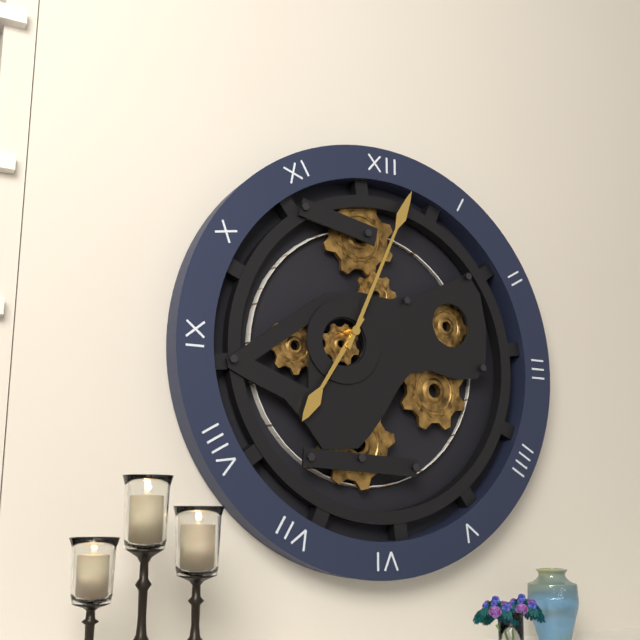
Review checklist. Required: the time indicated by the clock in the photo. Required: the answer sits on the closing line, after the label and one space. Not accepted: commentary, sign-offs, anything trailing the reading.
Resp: 7:04
